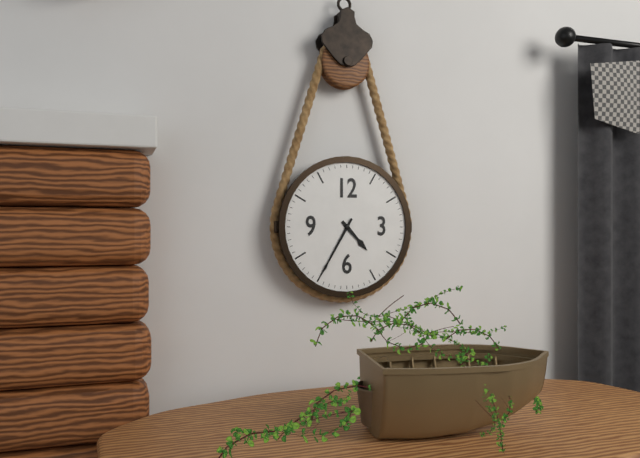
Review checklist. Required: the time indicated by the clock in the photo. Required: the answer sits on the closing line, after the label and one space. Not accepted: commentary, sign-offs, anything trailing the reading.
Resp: 4:35
